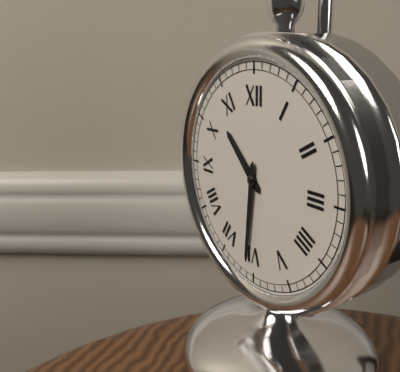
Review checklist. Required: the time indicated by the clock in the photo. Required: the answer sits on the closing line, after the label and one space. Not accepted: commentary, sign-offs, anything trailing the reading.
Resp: 10:31
